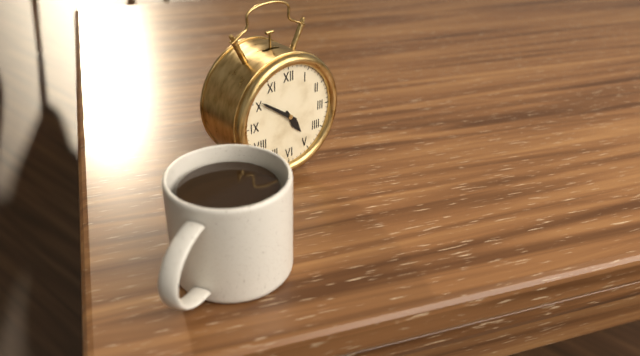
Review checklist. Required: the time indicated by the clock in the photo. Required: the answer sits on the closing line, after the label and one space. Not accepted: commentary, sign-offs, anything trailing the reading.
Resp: 4:51
